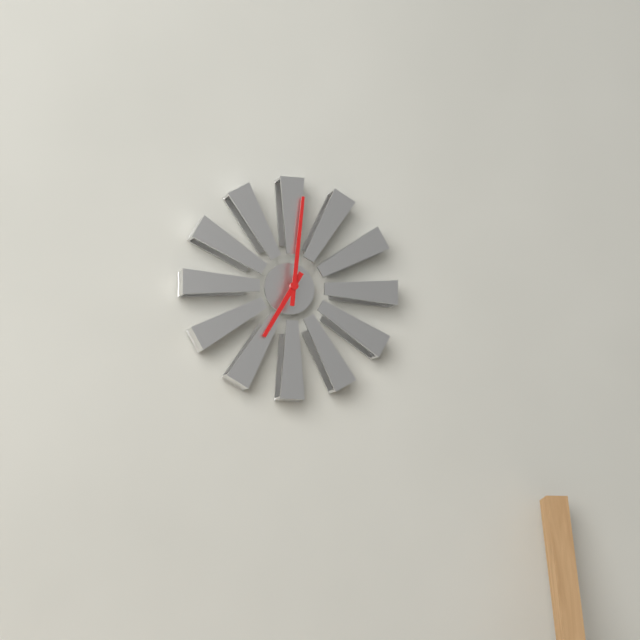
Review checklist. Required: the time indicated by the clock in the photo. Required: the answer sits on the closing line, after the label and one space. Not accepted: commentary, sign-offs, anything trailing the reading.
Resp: 7:01
